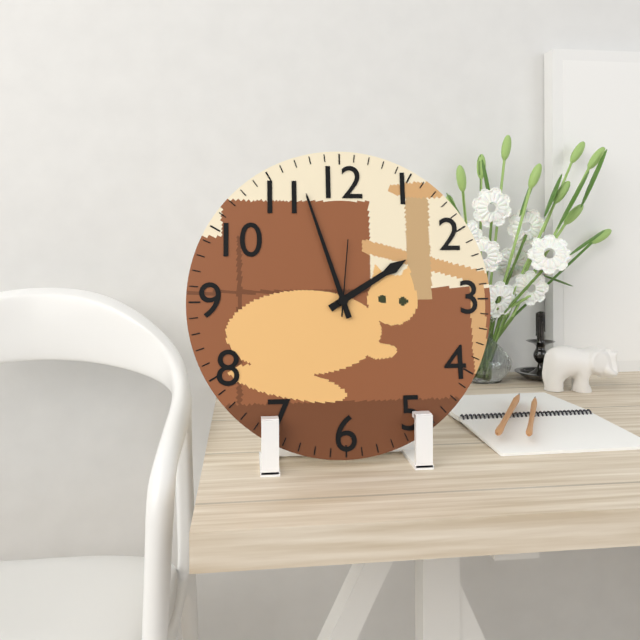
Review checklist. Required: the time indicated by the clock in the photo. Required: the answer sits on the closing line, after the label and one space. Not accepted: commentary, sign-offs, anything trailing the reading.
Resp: 1:57:01
